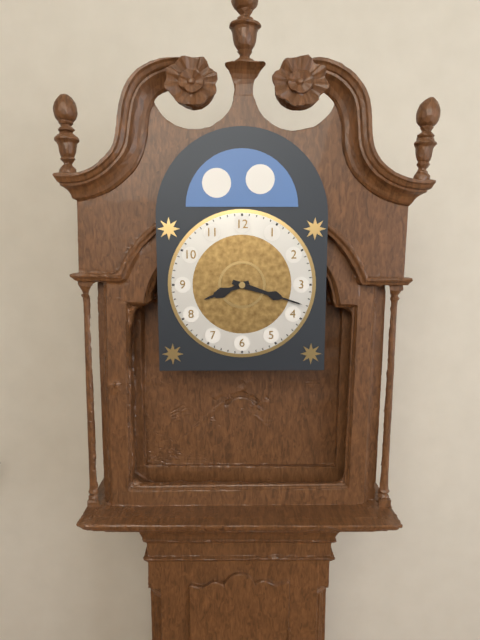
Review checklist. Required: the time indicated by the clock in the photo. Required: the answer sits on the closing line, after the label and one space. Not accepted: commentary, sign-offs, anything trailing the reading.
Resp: 8:18
